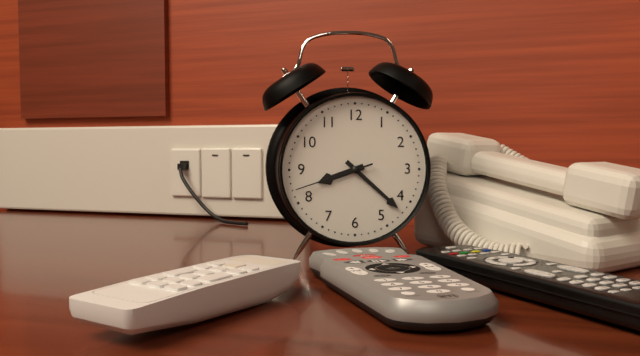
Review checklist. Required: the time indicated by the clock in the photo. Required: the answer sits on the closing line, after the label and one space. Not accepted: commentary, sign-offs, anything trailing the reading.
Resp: 8:22:42
